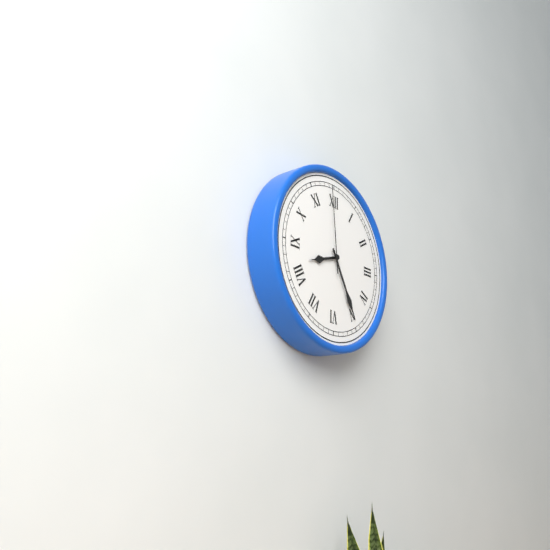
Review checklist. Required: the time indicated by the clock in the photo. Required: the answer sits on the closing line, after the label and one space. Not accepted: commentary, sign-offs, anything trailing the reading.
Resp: 8:25:59
